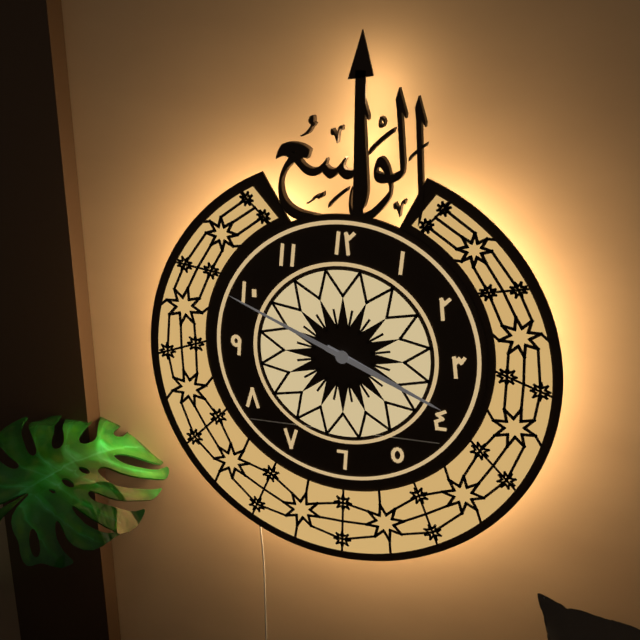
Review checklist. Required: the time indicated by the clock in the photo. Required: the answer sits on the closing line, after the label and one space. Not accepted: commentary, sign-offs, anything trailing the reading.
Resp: 3:49
